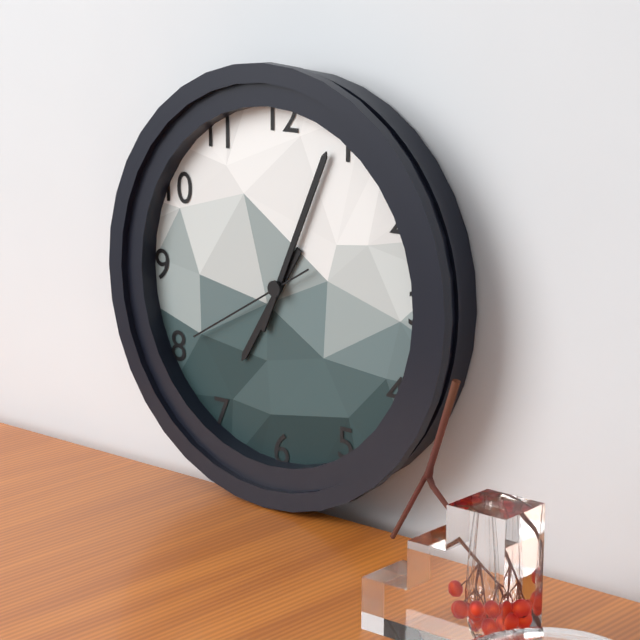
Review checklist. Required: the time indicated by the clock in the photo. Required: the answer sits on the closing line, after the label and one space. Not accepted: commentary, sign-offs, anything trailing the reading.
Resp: 7:04:40
